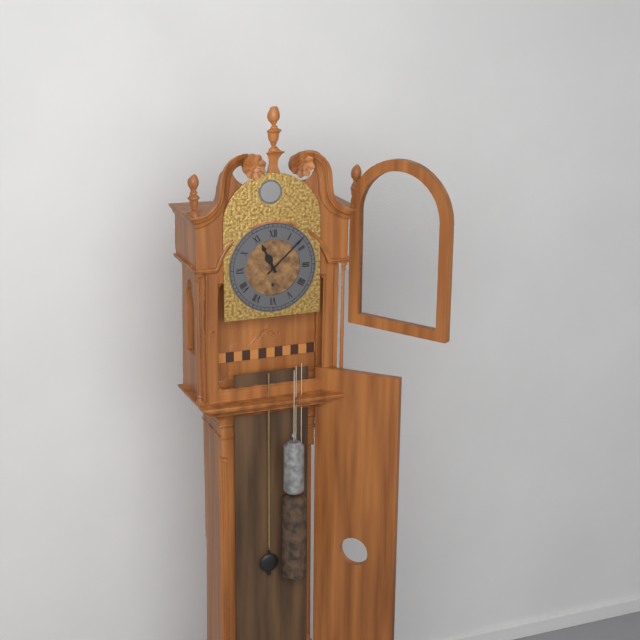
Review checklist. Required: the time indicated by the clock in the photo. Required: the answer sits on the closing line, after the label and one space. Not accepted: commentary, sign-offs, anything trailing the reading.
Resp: 11:08
